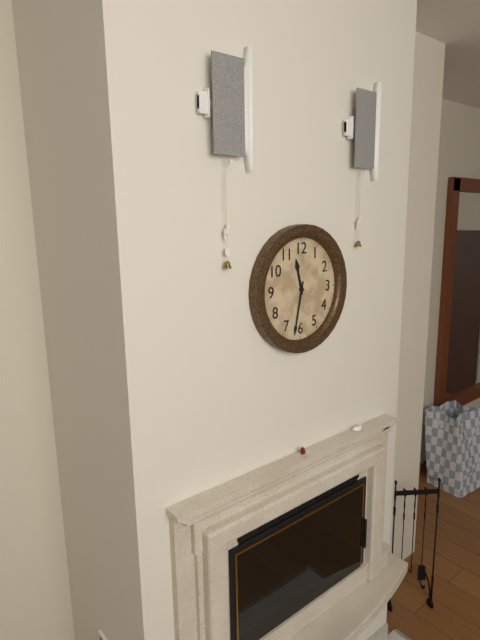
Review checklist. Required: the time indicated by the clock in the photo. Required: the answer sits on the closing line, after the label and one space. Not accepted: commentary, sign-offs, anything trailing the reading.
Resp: 11:32
